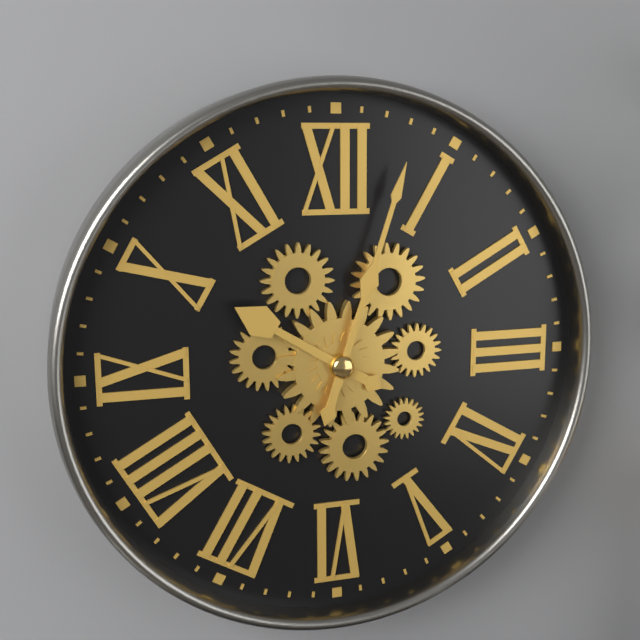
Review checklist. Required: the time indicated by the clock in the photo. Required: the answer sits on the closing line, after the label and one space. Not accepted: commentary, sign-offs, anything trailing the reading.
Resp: 10:03
